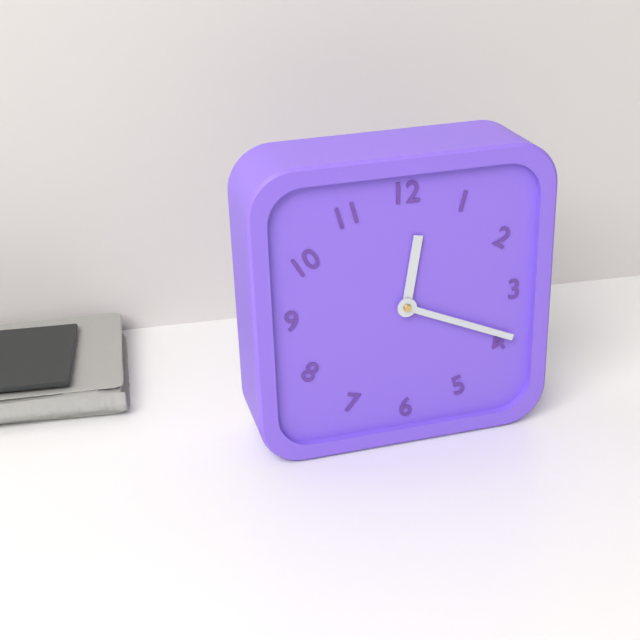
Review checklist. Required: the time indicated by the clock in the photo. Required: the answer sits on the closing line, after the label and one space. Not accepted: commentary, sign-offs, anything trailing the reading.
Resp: 12:19
